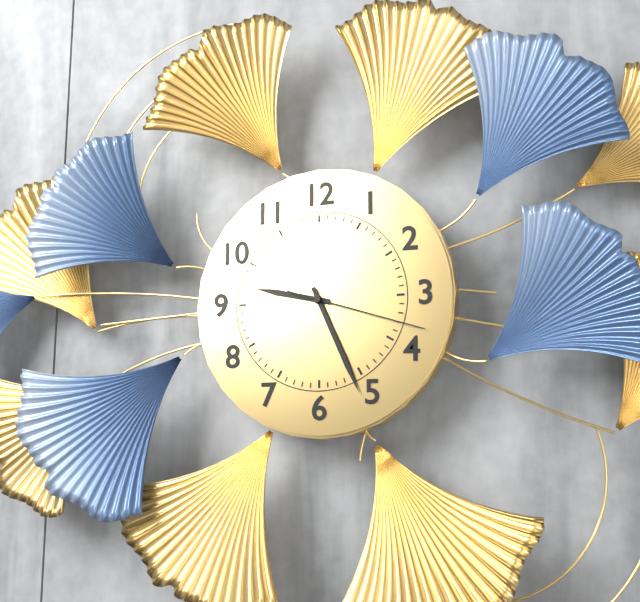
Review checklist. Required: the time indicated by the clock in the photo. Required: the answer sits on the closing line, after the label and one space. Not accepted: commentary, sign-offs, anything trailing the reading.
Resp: 9:26:18
